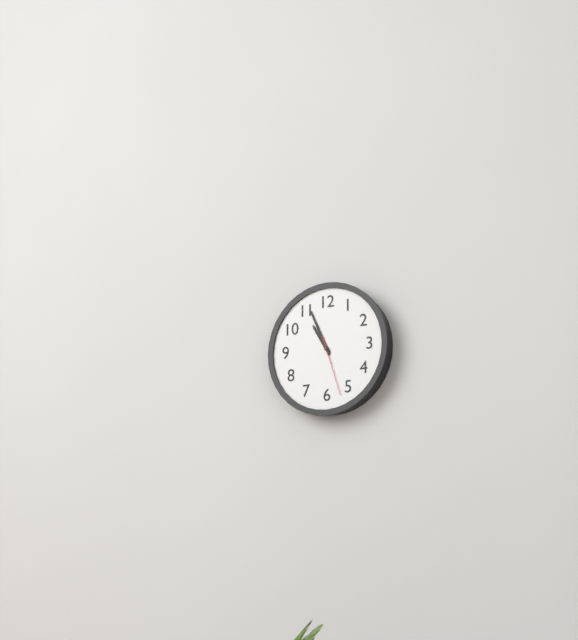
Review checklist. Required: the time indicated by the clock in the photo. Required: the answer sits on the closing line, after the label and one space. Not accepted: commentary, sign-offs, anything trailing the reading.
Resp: 10:56:27
